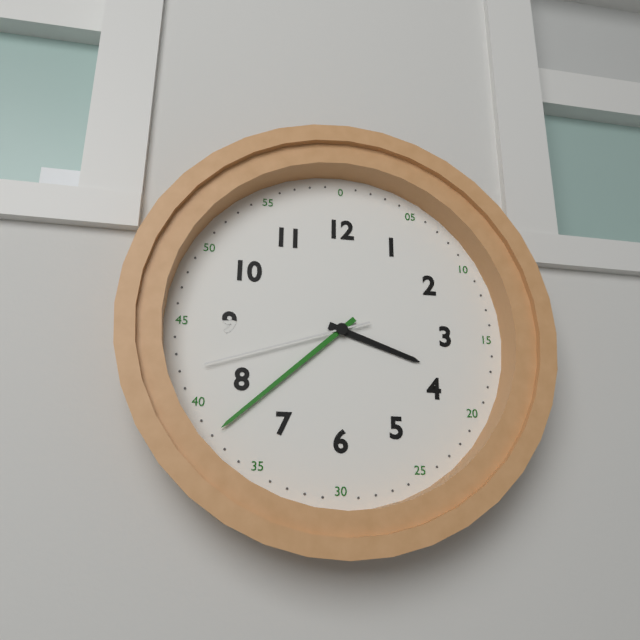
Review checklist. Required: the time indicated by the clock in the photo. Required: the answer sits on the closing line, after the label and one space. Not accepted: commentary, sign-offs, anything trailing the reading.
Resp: 3:38:42
